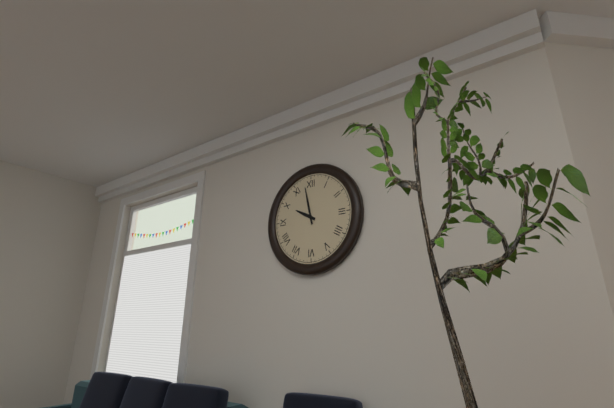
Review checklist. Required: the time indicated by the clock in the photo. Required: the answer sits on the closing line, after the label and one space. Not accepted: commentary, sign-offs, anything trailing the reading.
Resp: 9:58
